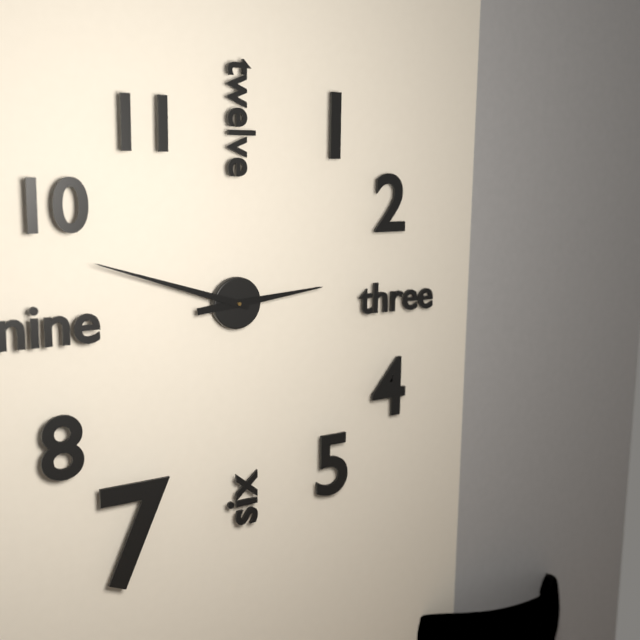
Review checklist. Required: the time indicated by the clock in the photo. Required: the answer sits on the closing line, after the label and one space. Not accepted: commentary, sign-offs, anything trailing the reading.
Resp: 2:48
